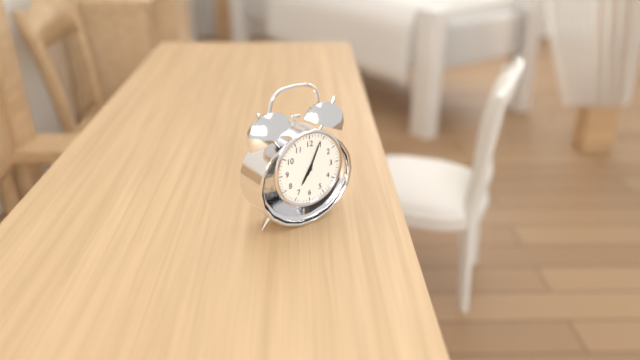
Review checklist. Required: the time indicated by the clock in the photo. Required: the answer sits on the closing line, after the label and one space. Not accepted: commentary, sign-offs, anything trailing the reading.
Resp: 7:04
